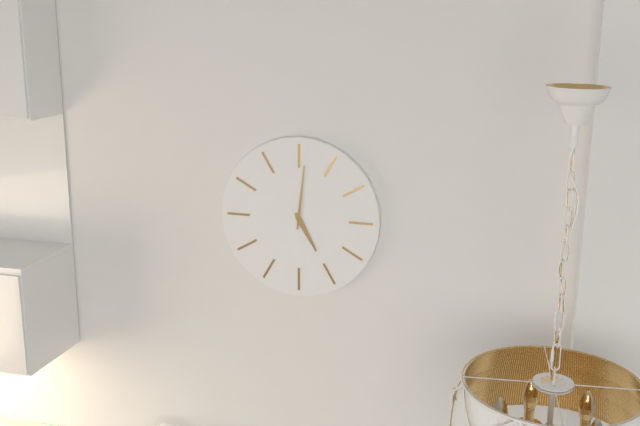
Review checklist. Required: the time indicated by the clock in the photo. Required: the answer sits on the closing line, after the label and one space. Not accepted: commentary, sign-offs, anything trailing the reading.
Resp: 5:01
